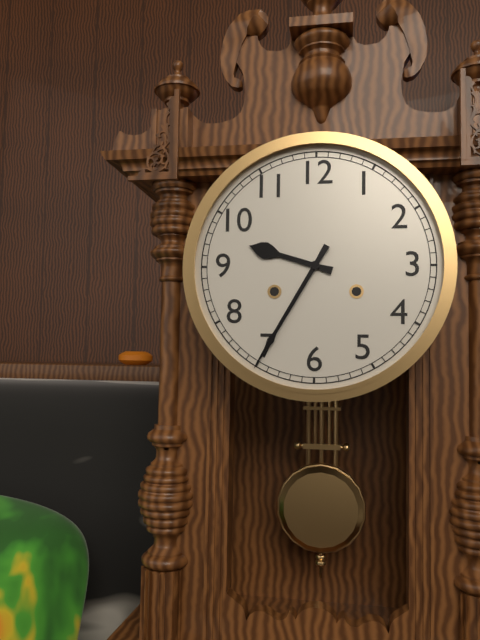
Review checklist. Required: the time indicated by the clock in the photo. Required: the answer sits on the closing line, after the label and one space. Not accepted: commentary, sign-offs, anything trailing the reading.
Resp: 9:35
